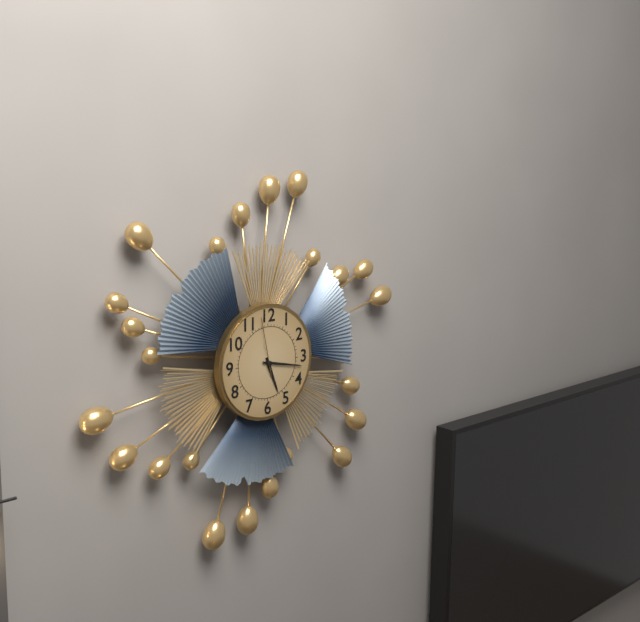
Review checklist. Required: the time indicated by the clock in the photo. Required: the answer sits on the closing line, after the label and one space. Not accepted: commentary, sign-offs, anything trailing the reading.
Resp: 5:17:58
